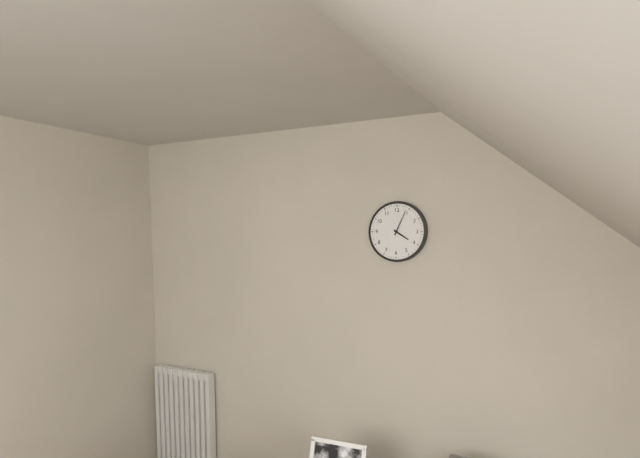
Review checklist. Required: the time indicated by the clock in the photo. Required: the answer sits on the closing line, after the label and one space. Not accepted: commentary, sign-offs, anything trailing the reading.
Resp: 4:04
